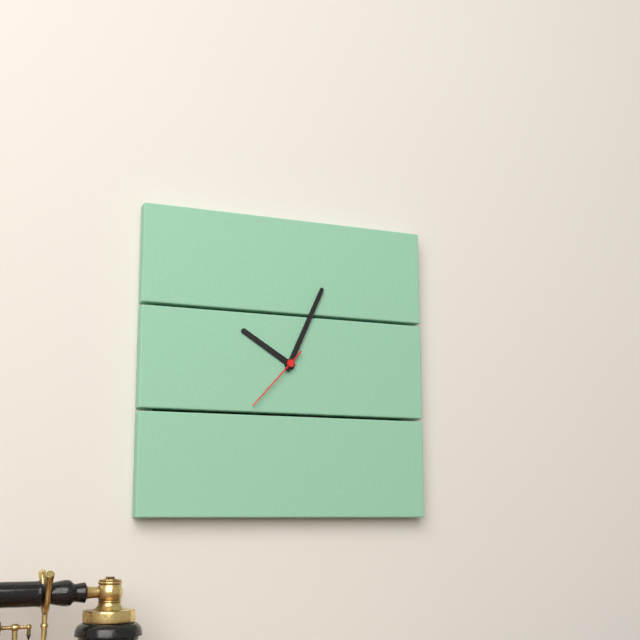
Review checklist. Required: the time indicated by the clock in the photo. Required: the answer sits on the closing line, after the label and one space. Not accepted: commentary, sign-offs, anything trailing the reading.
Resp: 10:04:37
